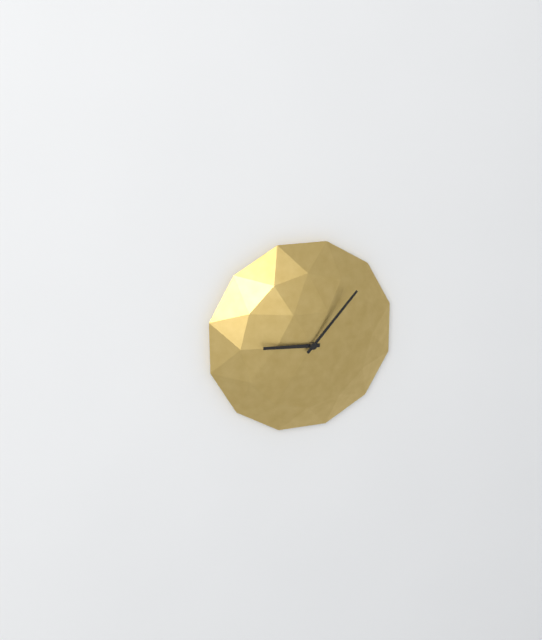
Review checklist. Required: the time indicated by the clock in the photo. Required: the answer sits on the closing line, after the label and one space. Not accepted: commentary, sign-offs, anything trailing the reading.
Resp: 9:07
